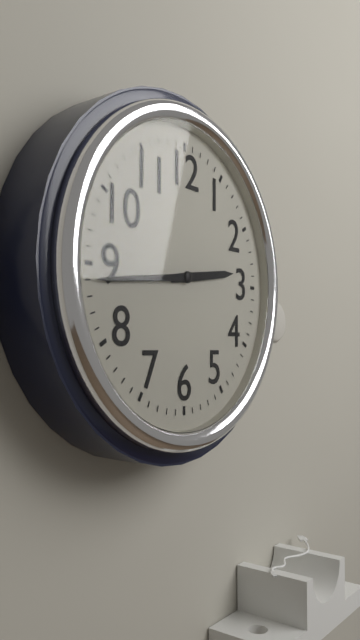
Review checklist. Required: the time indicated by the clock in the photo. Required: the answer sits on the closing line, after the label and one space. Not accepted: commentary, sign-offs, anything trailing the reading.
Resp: 2:44
